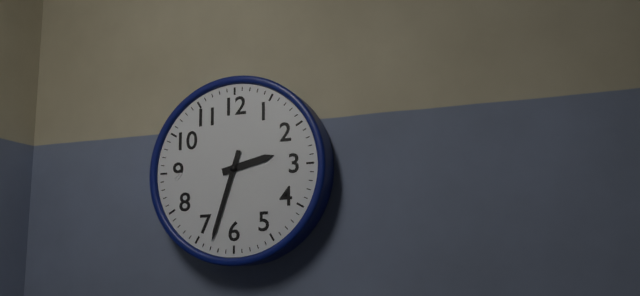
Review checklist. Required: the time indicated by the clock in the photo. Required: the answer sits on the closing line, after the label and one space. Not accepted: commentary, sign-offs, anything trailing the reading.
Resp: 2:33
